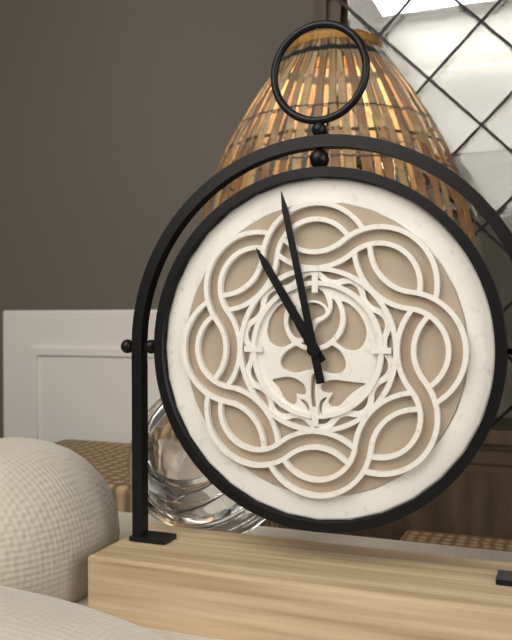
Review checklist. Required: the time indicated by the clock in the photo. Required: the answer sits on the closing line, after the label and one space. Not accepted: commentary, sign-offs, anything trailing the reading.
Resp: 10:58
